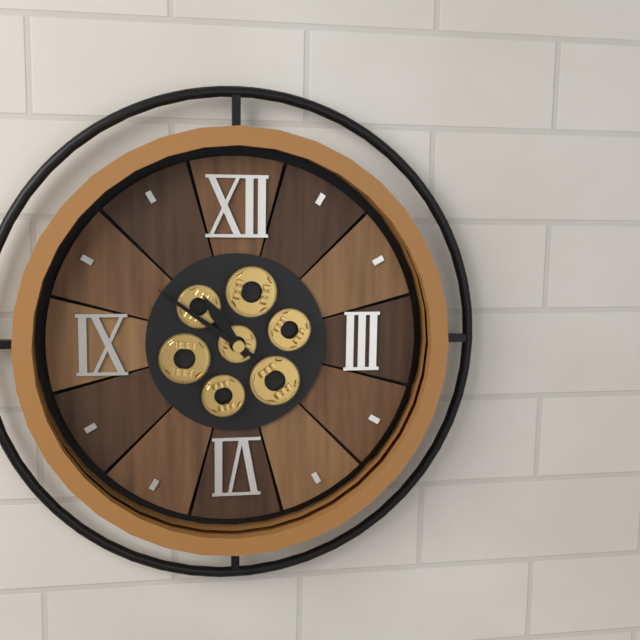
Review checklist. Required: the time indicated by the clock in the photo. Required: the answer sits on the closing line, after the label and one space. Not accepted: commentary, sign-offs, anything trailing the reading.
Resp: 10:51
